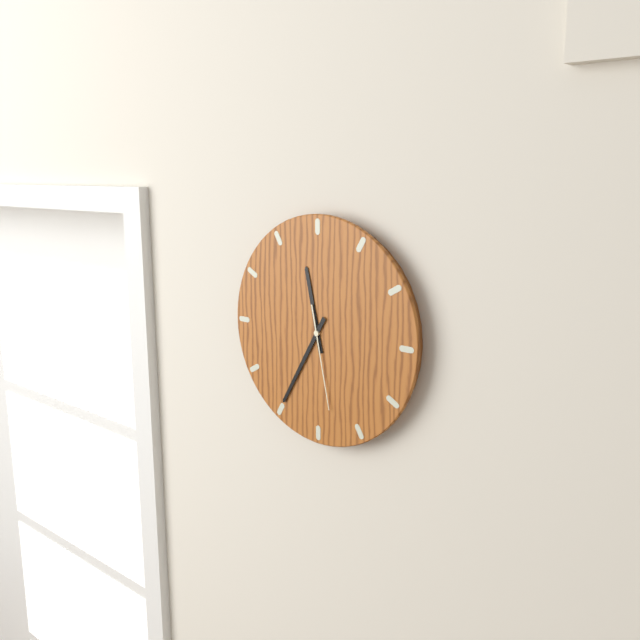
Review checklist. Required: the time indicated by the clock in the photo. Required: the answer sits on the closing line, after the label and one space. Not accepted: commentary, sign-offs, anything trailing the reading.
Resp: 11:35:28
